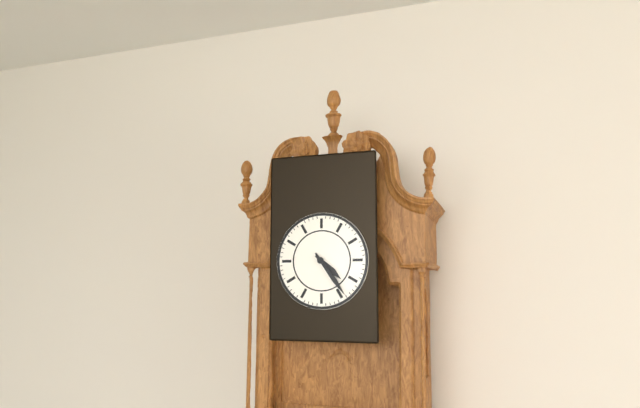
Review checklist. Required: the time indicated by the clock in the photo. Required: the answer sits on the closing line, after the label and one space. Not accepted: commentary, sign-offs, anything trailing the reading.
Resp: 4:24
